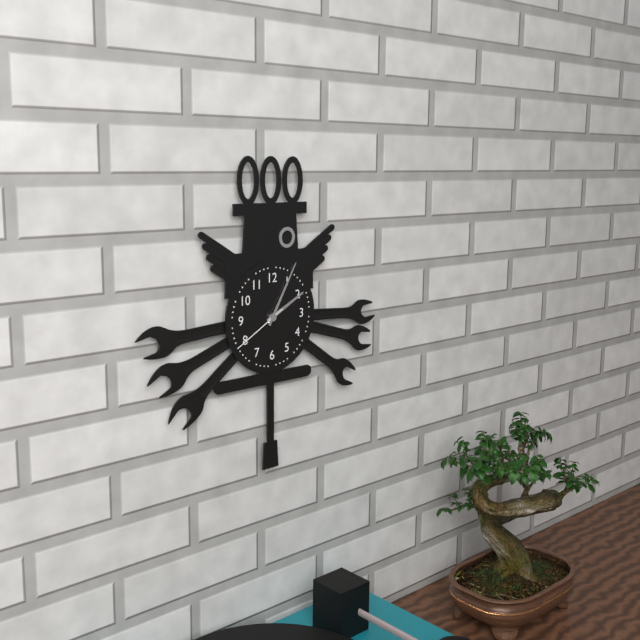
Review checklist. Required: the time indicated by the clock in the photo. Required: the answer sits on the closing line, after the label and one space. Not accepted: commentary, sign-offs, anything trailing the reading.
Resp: 2:05:40
